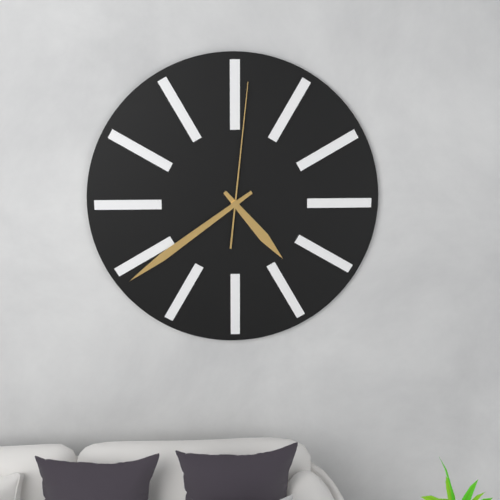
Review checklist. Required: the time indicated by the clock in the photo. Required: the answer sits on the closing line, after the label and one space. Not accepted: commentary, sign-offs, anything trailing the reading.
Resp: 4:39:01
